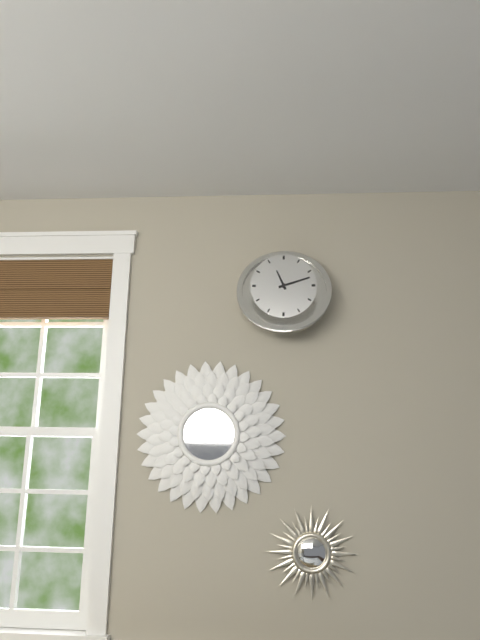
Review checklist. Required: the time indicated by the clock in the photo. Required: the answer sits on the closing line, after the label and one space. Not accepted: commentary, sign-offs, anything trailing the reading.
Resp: 11:12
